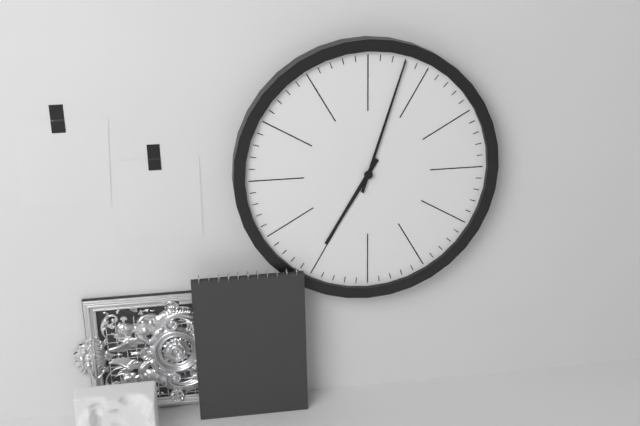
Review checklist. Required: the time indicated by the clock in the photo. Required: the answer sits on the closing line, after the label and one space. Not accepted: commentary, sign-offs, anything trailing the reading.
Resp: 7:03
